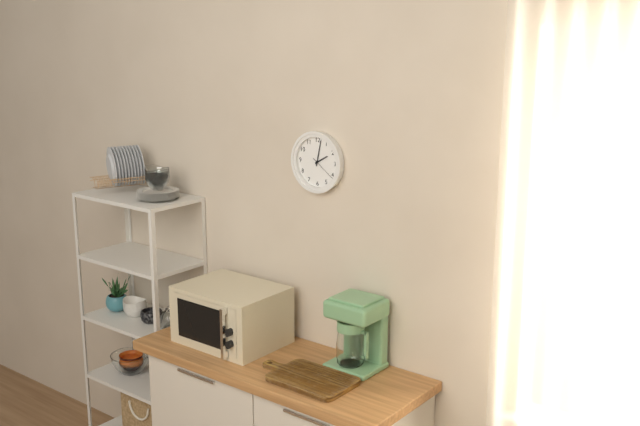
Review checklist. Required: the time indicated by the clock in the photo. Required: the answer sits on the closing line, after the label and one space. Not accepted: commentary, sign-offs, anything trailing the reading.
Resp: 2:02
